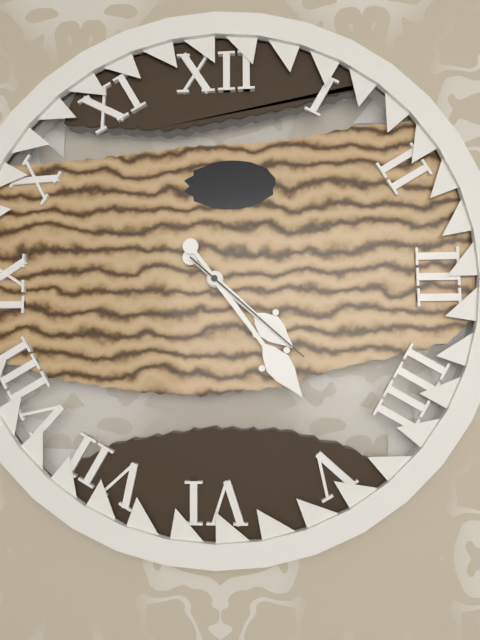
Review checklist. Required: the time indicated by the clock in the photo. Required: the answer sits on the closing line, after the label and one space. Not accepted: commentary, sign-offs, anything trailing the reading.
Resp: 4:24:22
